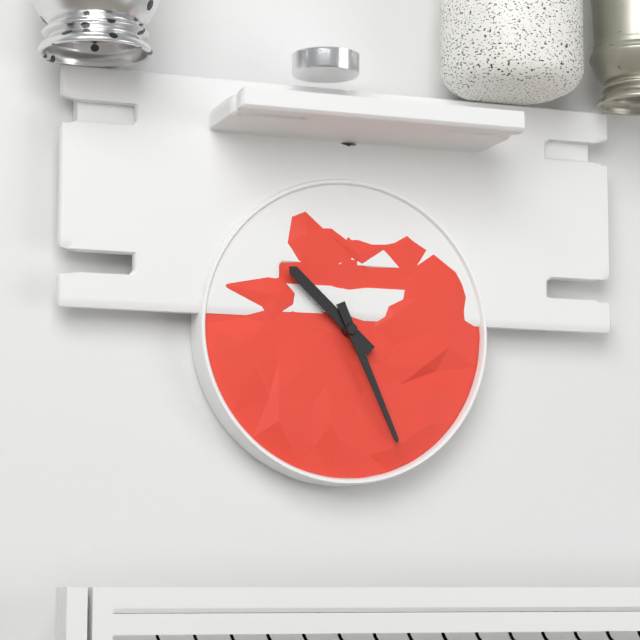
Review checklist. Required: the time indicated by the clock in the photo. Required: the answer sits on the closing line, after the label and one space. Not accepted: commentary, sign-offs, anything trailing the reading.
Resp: 10:26
